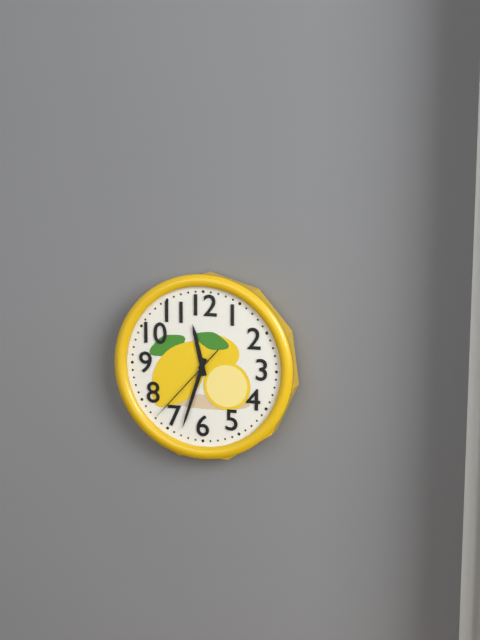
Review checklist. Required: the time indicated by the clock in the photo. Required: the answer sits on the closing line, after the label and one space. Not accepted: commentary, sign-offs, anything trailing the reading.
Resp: 11:33:37
